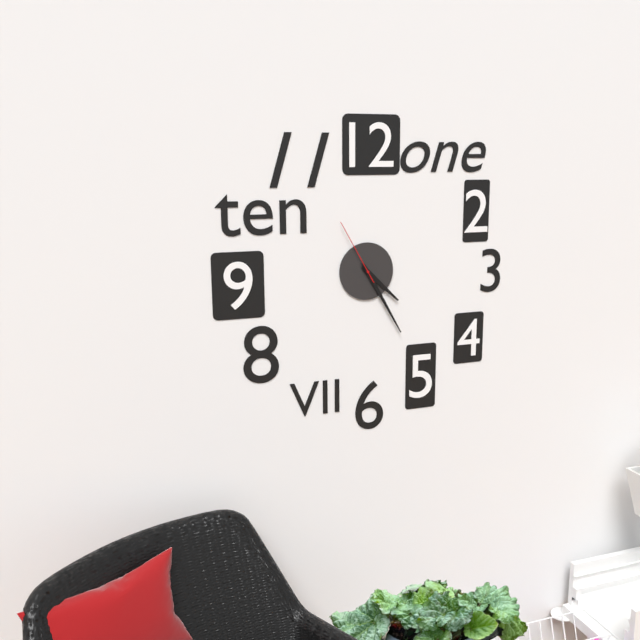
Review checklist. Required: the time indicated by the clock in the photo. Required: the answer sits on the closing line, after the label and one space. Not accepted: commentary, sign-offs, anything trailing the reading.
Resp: 4:25:55
